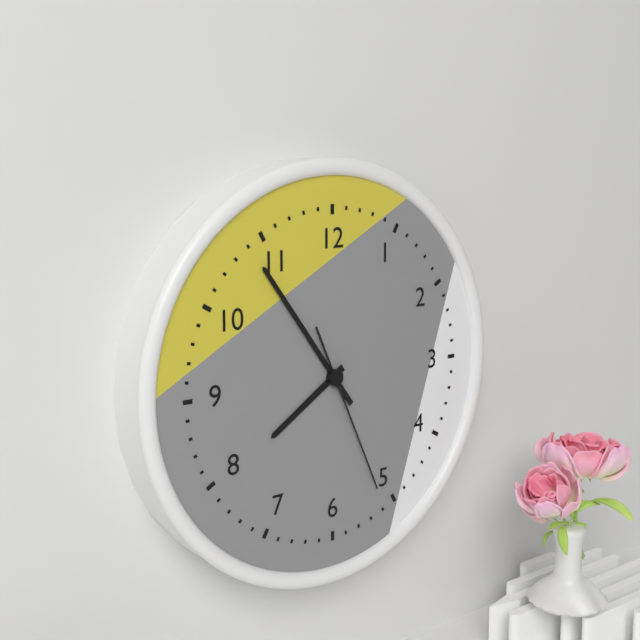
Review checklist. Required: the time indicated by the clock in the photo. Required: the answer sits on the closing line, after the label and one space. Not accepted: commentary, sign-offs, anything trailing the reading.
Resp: 7:54:26
